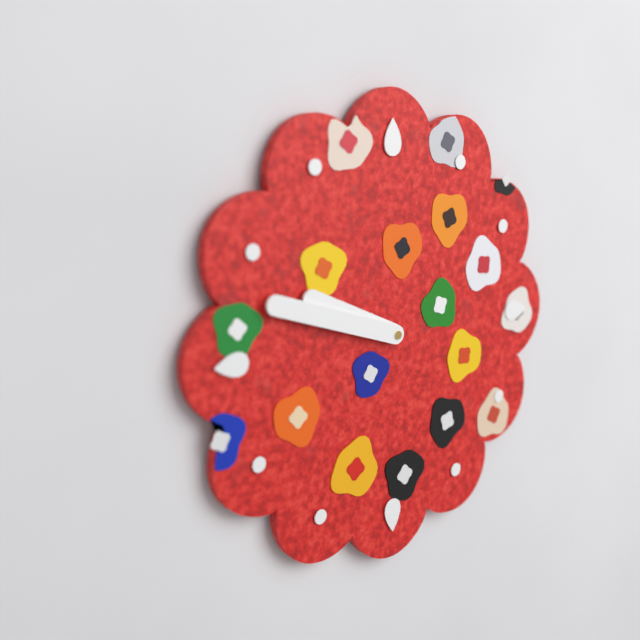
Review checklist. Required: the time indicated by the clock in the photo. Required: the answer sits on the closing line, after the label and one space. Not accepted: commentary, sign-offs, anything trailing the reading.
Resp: 9:48
